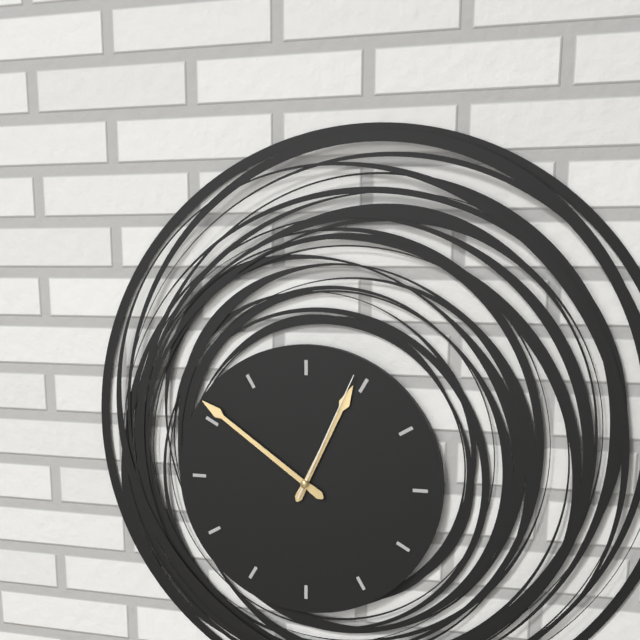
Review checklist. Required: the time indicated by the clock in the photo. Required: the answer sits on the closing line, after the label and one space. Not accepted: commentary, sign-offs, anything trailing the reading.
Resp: 12:51:04
